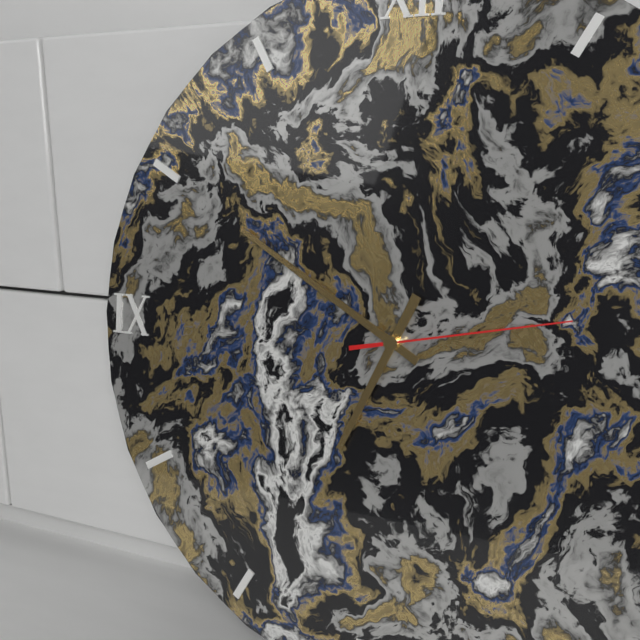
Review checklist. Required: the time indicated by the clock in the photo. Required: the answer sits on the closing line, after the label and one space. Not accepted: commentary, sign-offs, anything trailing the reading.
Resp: 6:50:13
